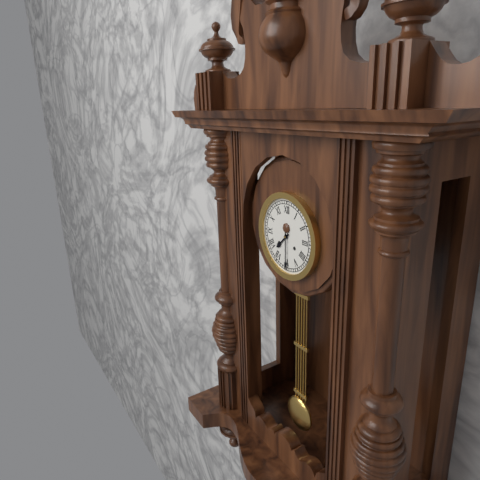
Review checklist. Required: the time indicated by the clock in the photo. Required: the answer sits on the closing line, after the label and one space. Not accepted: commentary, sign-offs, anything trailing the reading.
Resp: 7:30
